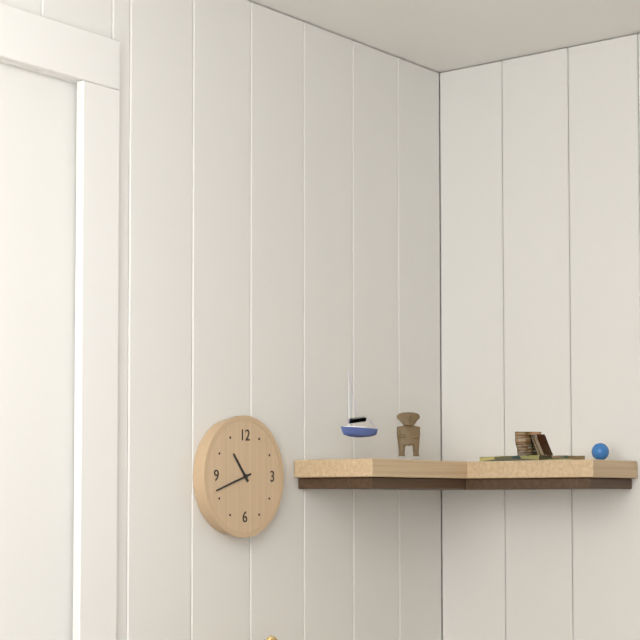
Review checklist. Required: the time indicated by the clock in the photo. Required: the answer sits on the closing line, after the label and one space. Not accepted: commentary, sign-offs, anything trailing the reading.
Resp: 10:42
